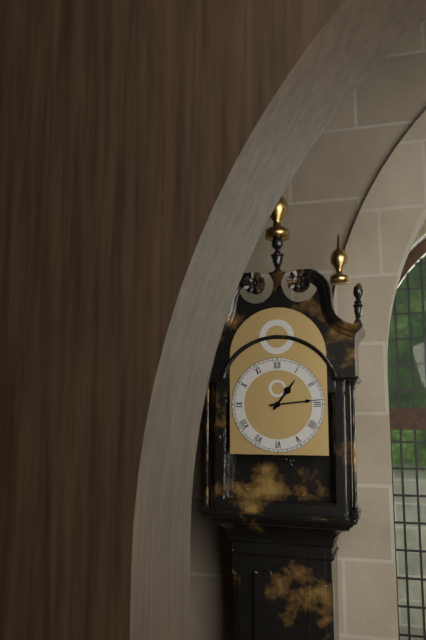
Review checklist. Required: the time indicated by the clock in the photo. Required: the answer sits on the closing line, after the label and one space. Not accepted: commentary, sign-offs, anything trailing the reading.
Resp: 1:14
